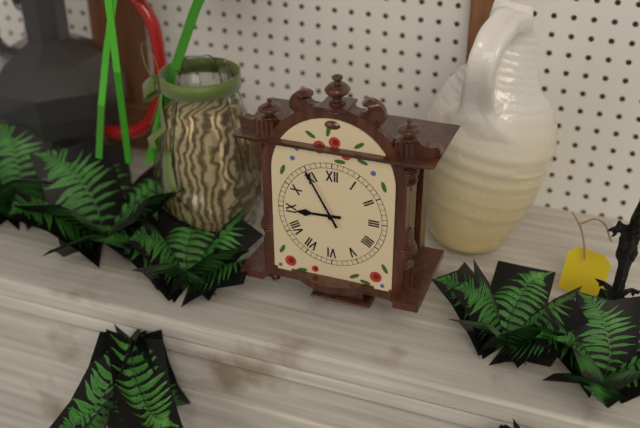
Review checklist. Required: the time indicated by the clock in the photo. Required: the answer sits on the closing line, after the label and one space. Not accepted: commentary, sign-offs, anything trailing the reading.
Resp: 8:55
